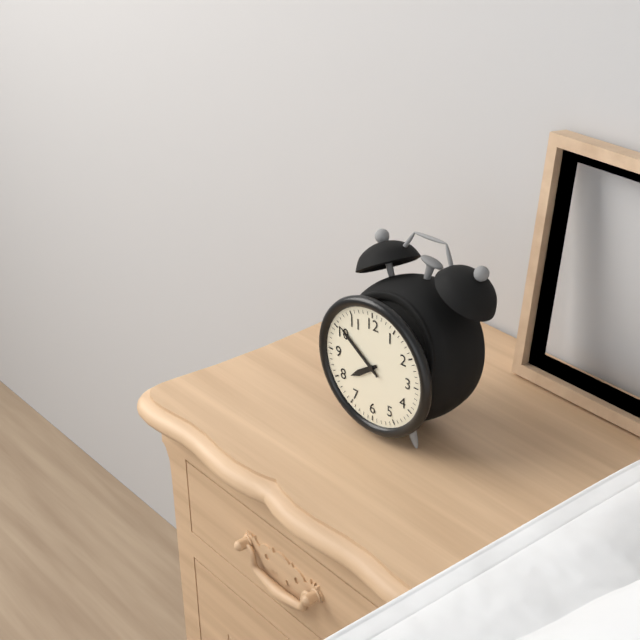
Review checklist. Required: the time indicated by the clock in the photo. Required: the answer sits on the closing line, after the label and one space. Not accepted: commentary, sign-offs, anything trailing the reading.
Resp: 7:51
